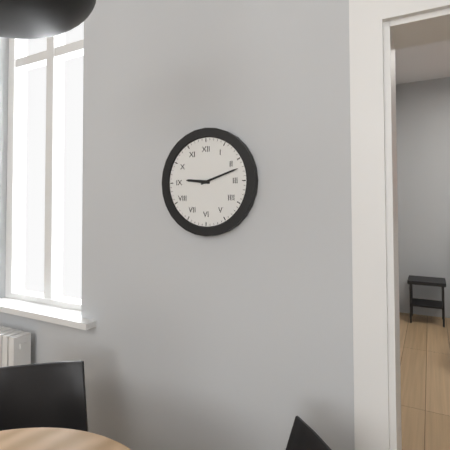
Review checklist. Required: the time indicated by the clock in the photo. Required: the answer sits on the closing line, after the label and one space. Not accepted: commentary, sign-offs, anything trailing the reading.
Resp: 9:12
